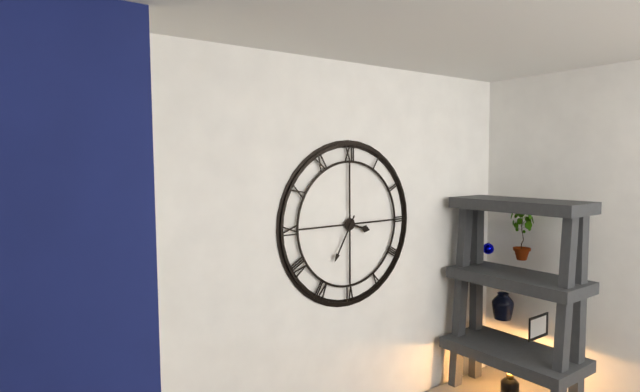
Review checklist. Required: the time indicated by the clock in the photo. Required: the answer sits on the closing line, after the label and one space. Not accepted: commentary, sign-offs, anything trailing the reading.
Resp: 3:35
